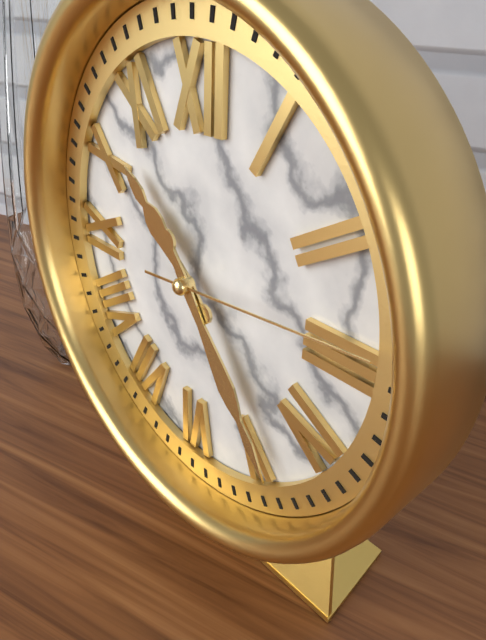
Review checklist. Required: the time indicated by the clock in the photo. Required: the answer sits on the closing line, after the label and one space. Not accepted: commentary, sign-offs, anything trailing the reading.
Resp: 10:24:14
